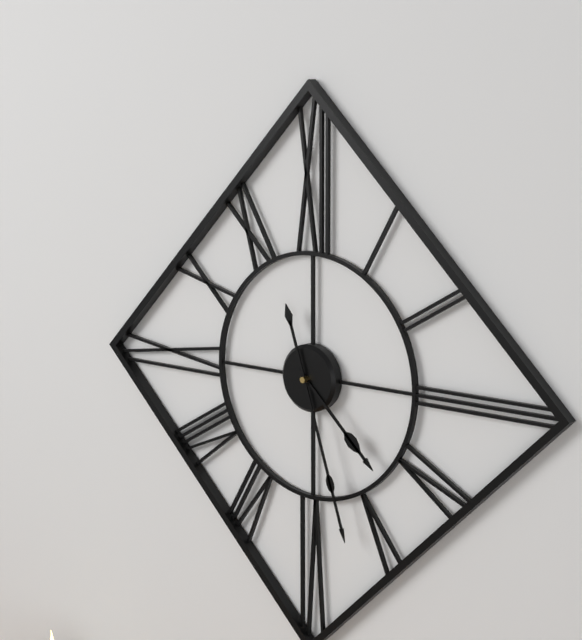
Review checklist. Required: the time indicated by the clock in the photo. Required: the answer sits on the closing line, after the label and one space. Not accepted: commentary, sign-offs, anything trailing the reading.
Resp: 4:27
